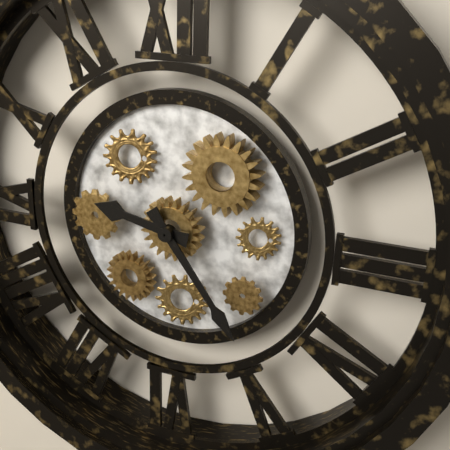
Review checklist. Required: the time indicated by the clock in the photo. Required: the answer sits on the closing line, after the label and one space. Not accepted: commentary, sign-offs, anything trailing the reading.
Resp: 9:24
